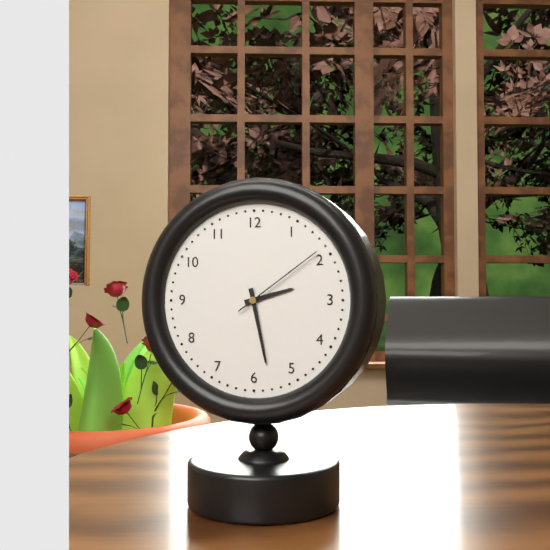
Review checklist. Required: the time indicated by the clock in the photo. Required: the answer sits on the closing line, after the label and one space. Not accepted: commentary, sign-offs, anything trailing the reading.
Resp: 2:28:09
